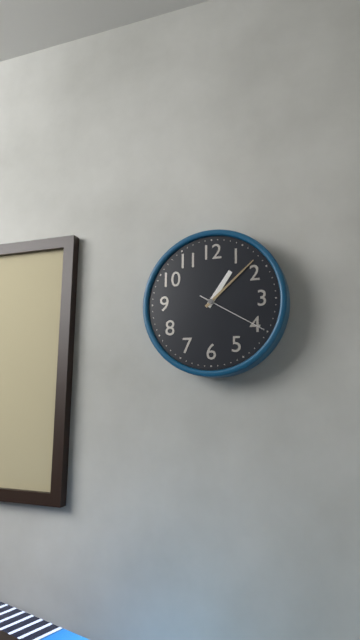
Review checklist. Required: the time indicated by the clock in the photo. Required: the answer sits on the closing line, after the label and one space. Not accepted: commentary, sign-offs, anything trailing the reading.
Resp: 1:08:20
